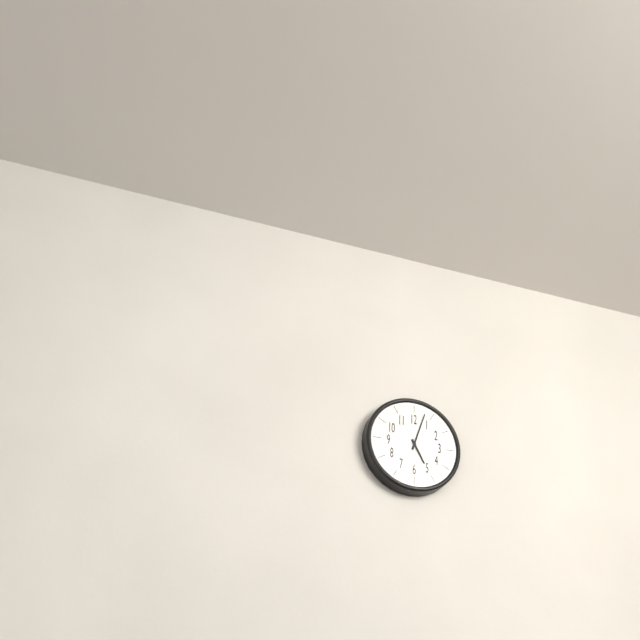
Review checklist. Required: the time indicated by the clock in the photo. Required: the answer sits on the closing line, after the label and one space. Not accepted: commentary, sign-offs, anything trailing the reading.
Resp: 5:03
